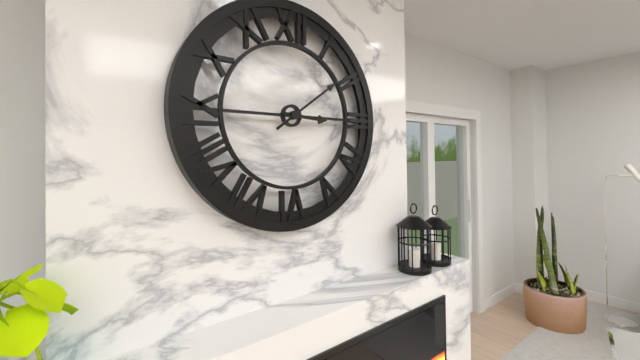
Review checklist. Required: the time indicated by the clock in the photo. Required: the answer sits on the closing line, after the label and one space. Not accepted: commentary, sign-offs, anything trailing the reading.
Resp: 3:09
